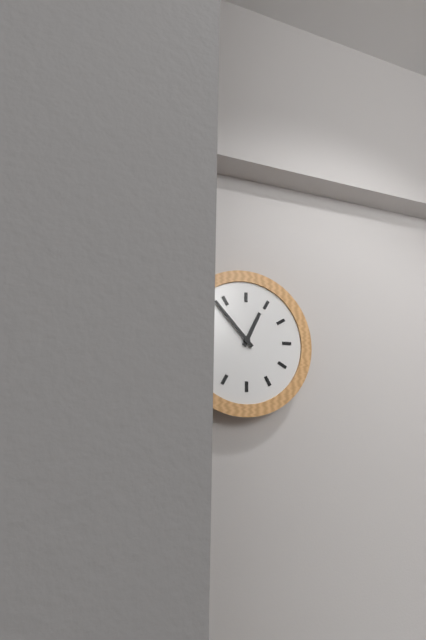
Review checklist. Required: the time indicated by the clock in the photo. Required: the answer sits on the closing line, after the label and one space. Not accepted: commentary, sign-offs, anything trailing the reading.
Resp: 12:53
